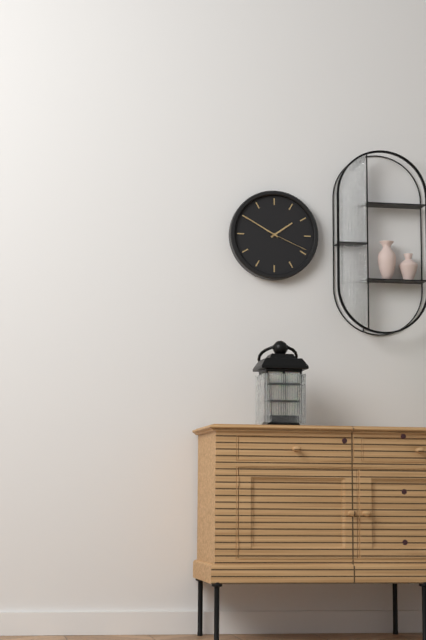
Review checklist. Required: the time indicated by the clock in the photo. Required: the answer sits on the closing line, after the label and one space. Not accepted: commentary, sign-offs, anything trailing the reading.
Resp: 1:50
